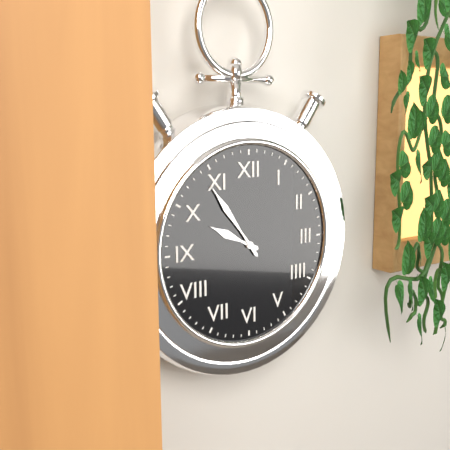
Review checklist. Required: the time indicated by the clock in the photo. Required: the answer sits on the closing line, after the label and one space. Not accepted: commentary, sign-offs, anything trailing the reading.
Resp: 9:54
